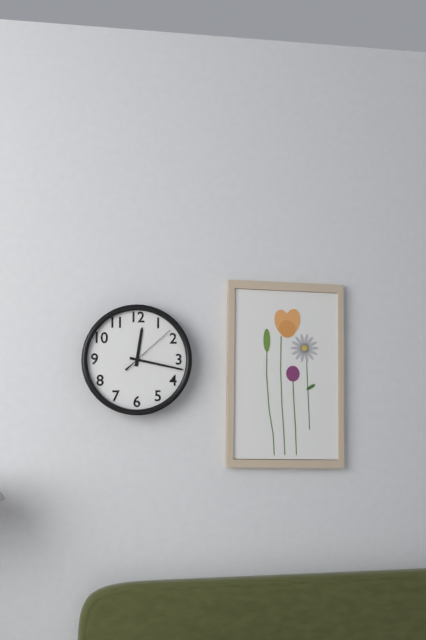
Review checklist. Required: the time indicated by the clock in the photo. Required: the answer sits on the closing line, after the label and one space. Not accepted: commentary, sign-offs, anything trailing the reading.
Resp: 12:17:08
